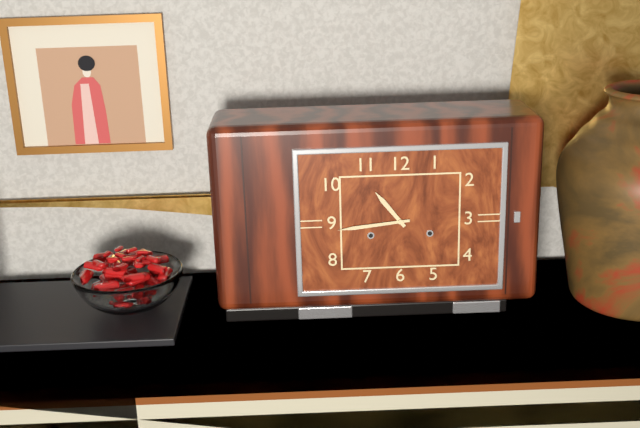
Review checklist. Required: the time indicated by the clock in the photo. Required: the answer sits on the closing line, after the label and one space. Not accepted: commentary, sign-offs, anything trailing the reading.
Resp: 10:44
